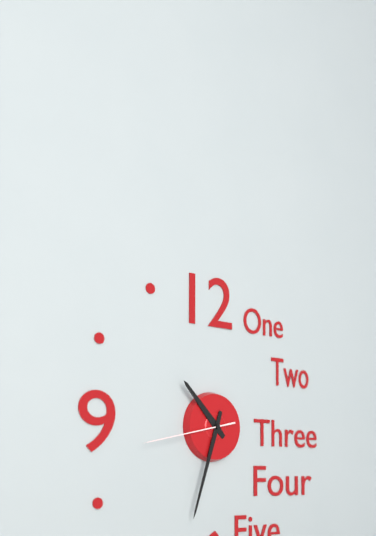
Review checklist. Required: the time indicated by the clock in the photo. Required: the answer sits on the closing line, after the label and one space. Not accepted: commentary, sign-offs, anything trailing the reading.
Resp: 10:33:43
